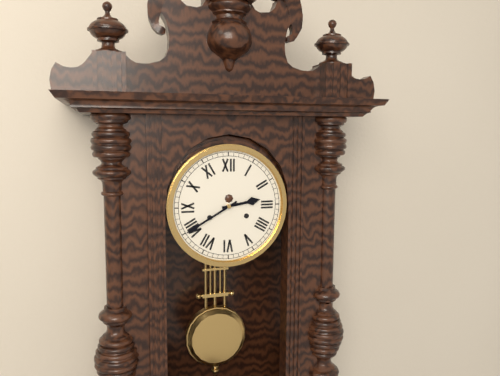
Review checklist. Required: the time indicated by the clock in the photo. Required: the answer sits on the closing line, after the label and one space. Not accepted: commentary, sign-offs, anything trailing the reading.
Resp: 2:40
